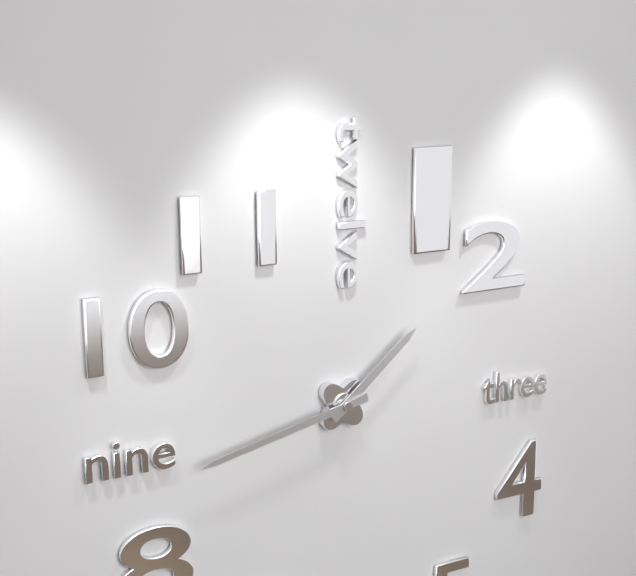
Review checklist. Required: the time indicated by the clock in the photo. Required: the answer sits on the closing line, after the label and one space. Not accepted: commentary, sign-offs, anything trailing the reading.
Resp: 1:43
